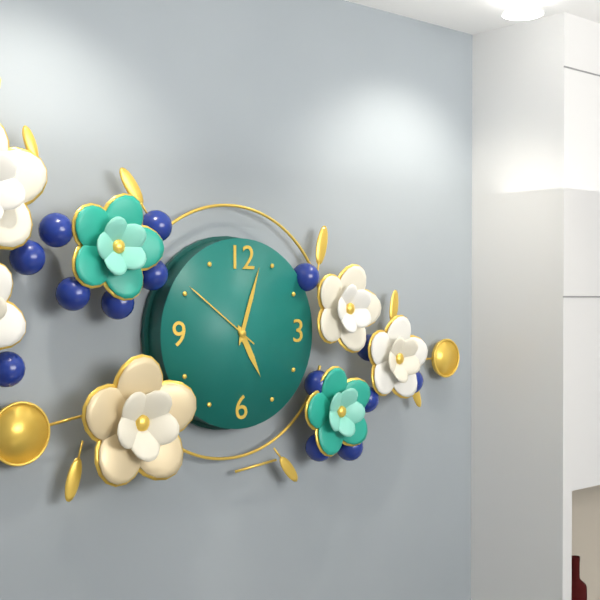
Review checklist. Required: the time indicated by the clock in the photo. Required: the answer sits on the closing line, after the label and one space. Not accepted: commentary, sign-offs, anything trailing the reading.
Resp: 5:03:51
